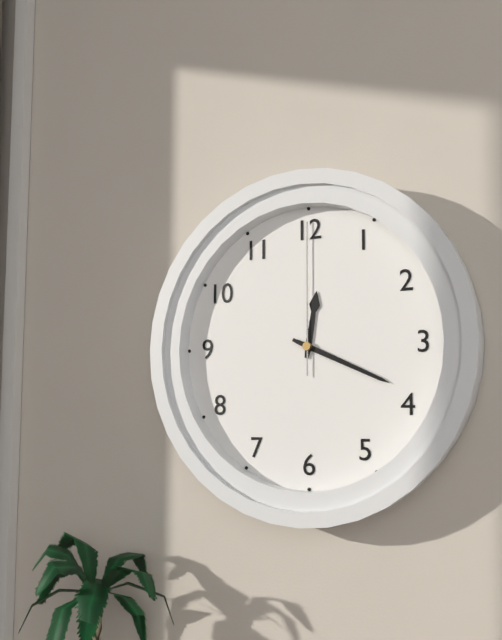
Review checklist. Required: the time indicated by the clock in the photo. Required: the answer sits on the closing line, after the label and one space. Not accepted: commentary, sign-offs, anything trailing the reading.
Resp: 12:19:00
